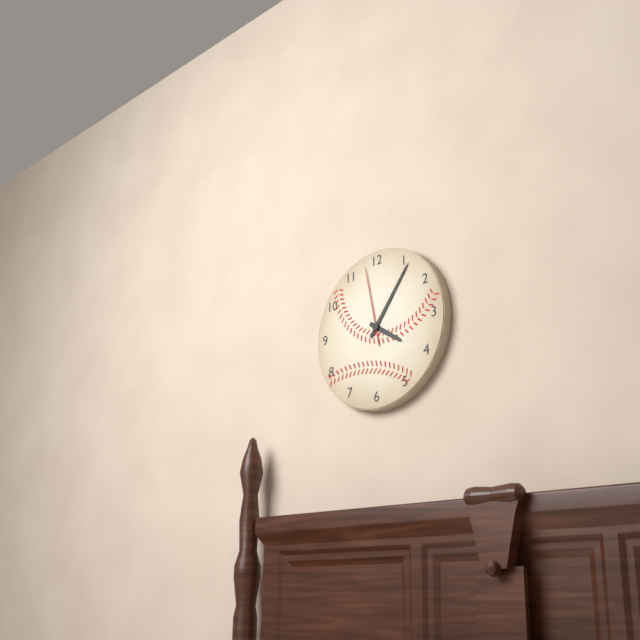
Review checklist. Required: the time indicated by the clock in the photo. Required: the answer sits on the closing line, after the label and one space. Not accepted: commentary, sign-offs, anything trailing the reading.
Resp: 4:06:58
